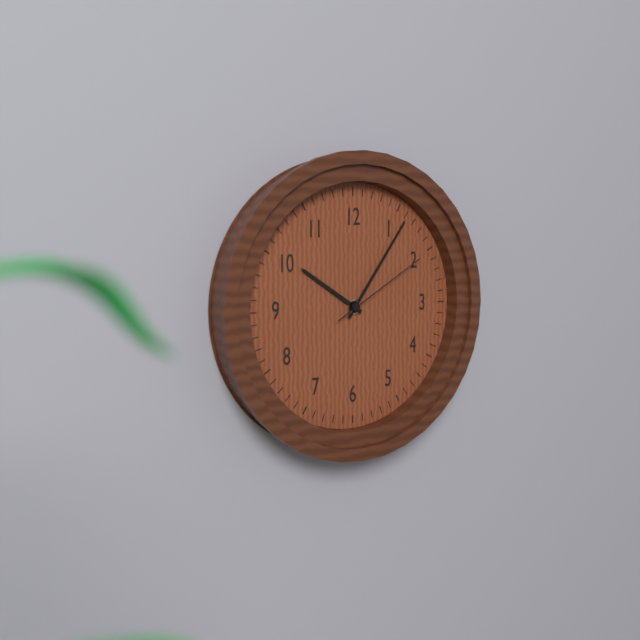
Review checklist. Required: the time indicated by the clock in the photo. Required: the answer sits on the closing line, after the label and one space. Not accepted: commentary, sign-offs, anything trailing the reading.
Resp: 10:06:10
